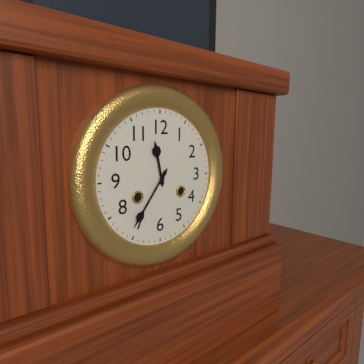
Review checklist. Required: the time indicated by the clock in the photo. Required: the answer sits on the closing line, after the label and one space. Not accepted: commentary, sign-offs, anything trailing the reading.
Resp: 11:36
